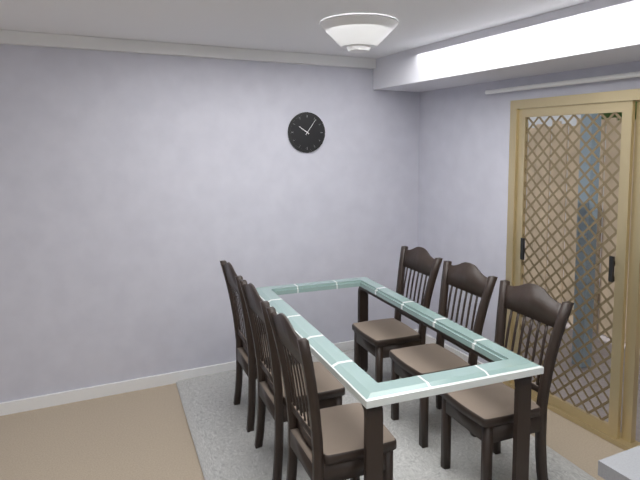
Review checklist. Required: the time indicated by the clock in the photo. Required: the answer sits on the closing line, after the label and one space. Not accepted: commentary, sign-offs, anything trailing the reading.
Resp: 10:06
